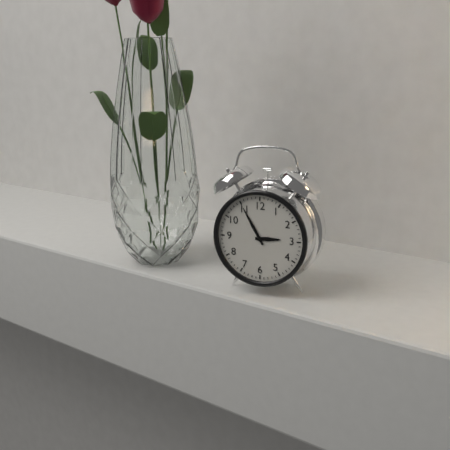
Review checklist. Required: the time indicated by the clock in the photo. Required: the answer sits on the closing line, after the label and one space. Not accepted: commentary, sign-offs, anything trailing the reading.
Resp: 2:55
